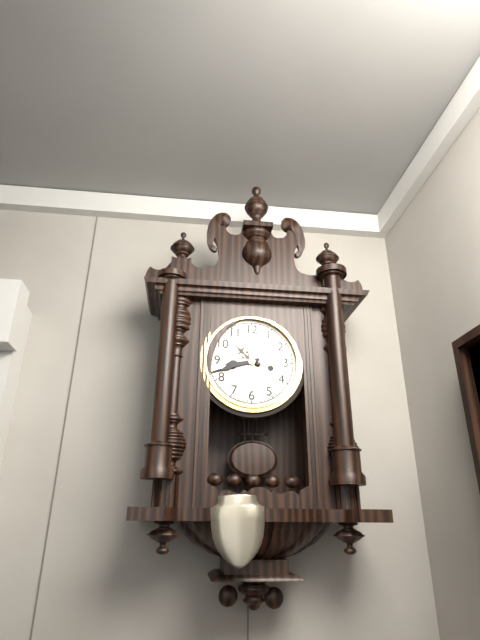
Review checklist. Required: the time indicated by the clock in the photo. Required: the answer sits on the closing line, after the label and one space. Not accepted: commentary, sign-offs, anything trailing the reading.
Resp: 8:42
